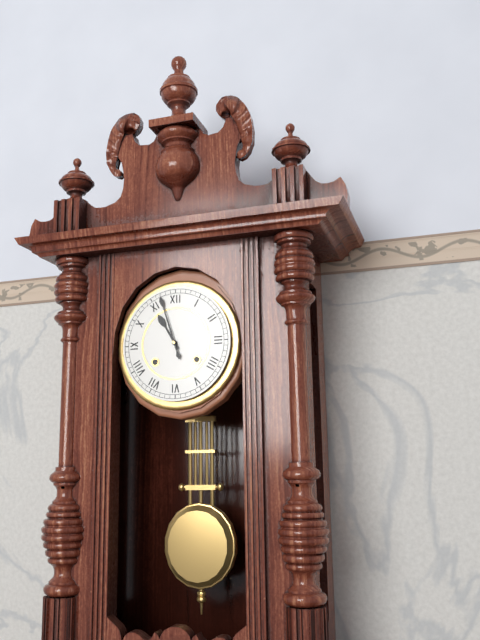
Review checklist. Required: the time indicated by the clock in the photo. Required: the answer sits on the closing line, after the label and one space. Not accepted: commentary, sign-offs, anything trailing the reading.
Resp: 10:57
